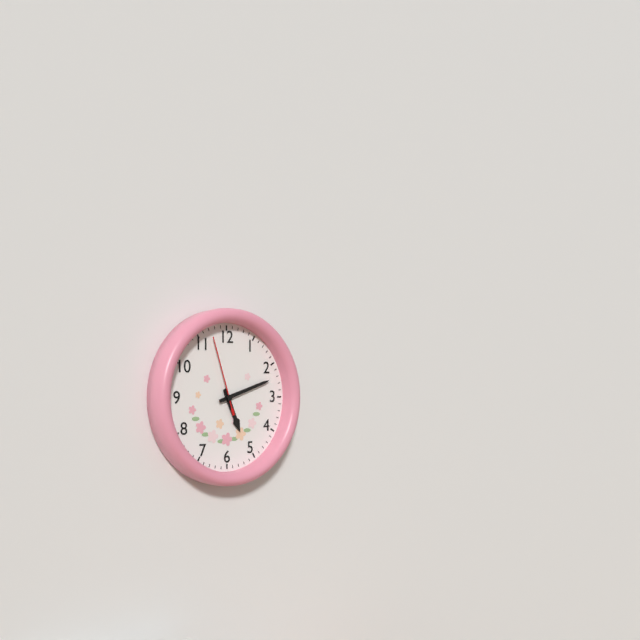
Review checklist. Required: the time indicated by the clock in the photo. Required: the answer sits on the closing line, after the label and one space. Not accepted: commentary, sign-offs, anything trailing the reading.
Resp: 5:12:57
